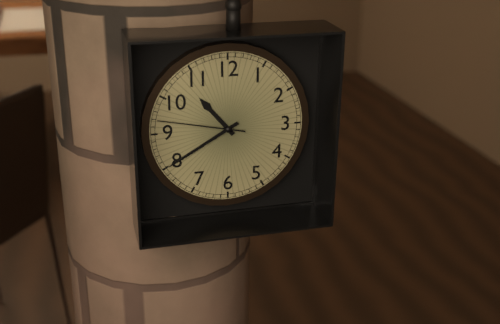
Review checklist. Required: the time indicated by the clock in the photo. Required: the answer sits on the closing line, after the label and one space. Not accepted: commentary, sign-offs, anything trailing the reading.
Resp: 10:40:47
